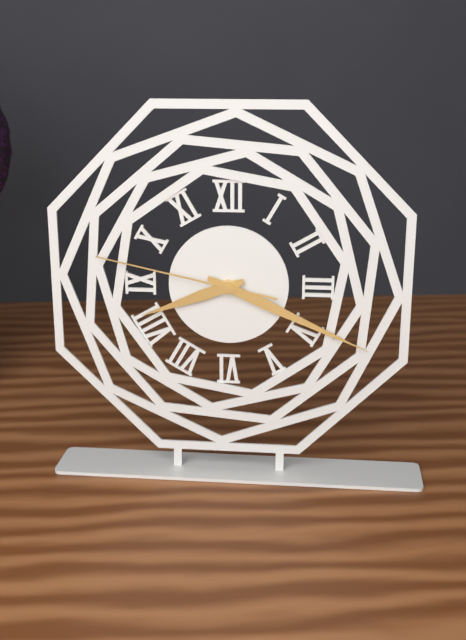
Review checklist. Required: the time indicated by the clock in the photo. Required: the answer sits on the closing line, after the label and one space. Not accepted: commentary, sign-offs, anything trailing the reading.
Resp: 8:19:47
